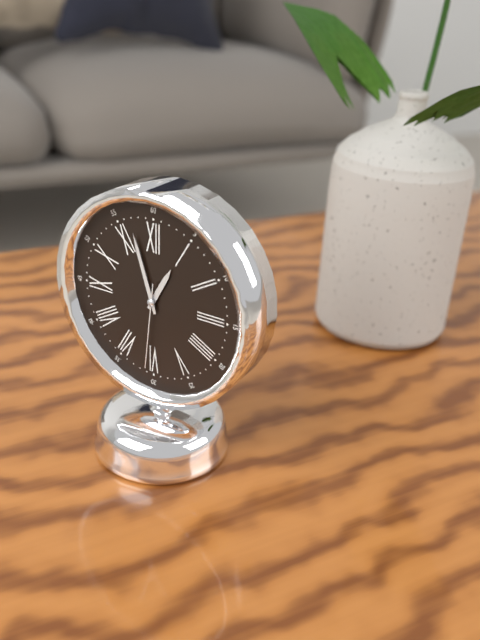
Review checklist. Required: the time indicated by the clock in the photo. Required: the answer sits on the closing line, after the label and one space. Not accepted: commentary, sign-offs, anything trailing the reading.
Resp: 12:57:31
